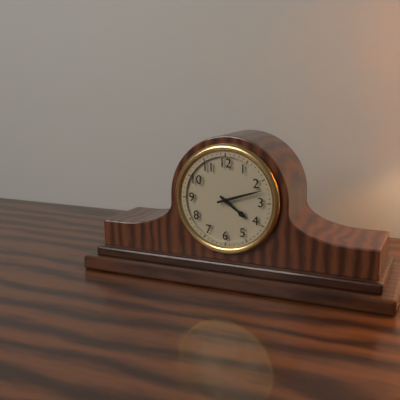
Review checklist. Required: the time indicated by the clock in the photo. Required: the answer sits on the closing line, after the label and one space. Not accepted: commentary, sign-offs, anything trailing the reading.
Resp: 4:12
